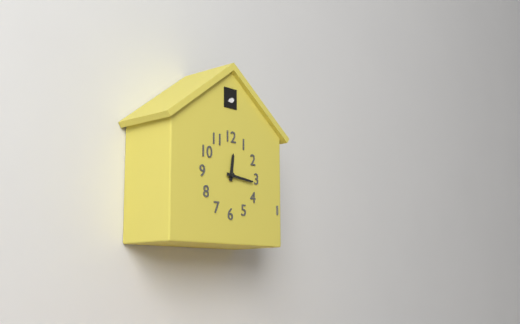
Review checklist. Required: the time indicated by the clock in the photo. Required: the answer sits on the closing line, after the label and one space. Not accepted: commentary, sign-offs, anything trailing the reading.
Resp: 12:16
